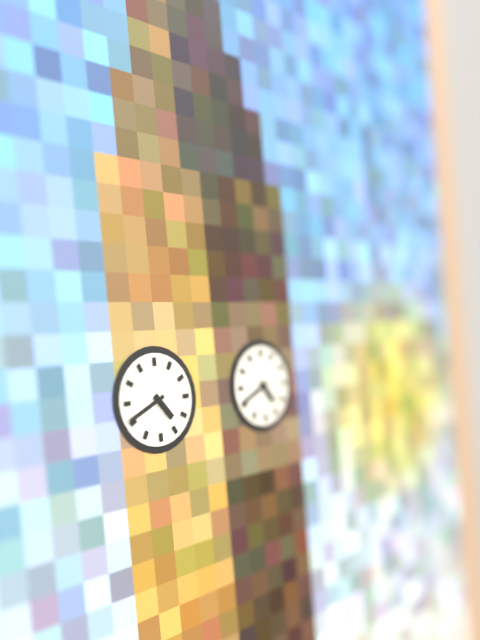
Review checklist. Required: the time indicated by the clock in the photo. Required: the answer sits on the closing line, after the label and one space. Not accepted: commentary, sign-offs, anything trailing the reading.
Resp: 4:41
